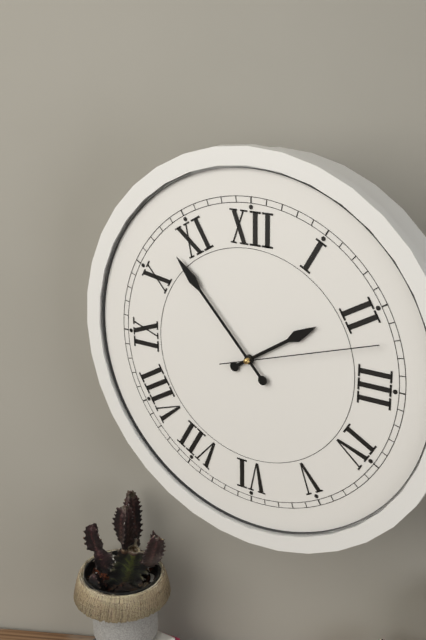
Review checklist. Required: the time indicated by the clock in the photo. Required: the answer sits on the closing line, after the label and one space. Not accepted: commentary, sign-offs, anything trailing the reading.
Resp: 1:53:12
